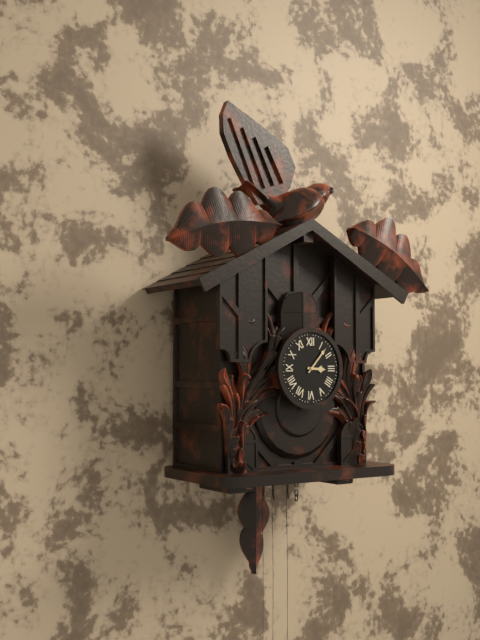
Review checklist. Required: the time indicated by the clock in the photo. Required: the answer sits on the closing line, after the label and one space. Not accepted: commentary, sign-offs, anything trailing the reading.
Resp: 3:07
